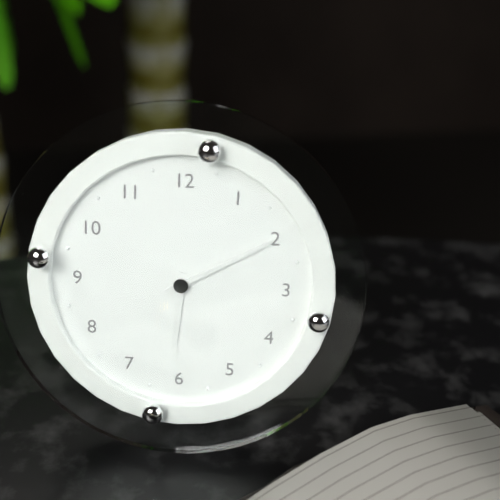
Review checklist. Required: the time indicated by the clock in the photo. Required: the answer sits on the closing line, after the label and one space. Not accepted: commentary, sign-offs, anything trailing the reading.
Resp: 6:10
